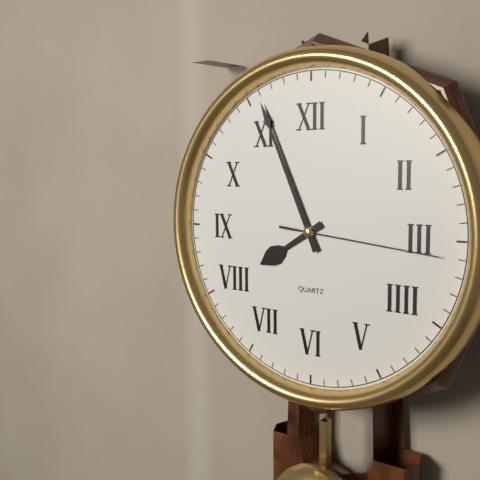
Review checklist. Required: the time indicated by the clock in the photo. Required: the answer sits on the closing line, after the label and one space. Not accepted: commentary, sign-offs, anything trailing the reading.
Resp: 7:56:16
